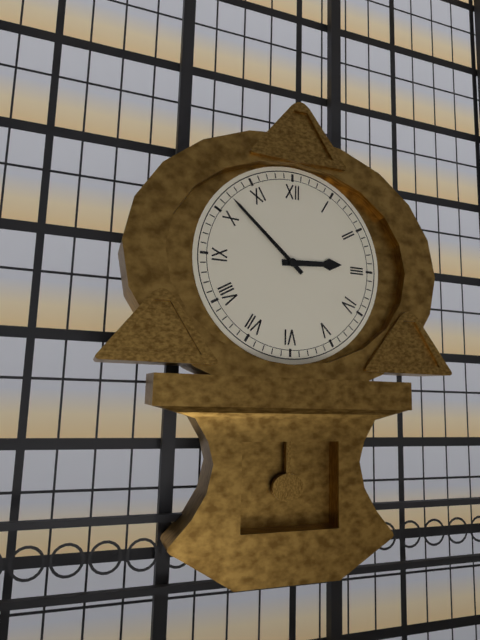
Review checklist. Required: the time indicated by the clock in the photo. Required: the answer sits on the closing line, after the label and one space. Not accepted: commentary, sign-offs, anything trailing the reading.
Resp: 2:52
